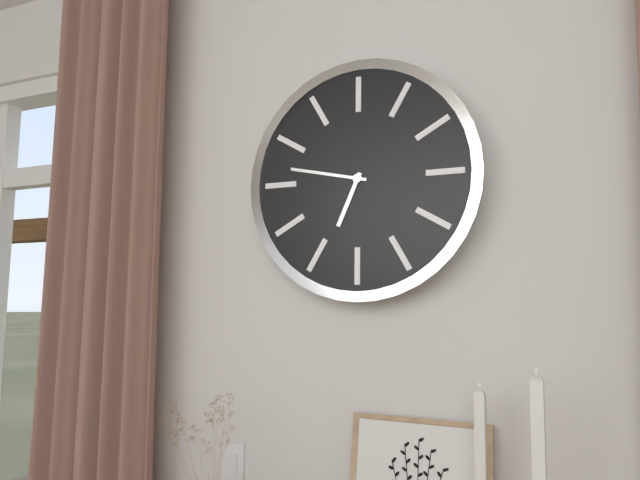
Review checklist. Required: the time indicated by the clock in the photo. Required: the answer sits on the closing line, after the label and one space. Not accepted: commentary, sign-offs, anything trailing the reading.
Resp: 6:47
